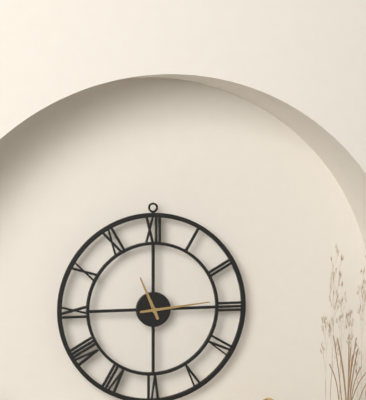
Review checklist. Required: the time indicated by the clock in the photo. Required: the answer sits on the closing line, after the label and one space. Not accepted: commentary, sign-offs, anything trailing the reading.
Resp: 11:14
